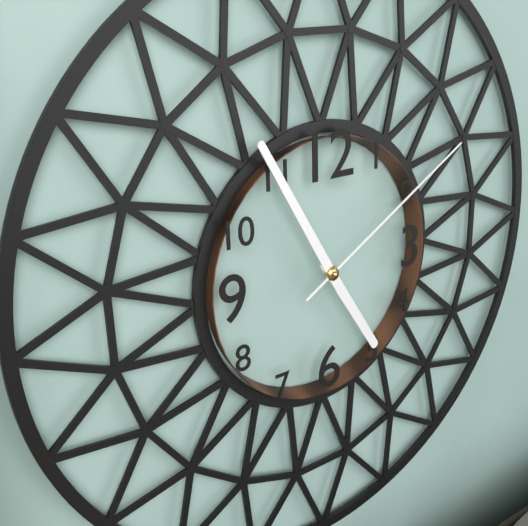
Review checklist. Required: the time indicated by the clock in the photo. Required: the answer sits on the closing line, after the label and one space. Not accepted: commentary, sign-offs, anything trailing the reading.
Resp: 4:55:10
